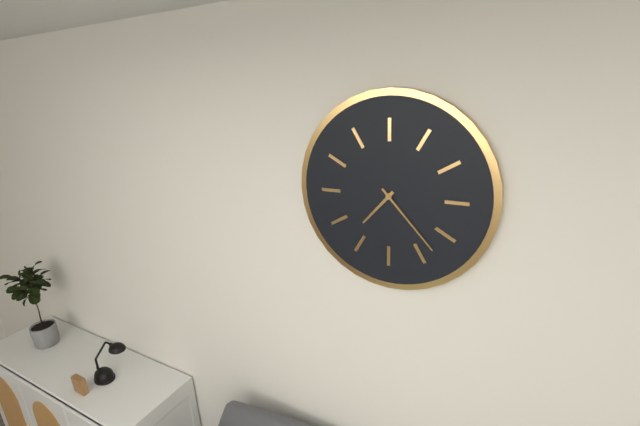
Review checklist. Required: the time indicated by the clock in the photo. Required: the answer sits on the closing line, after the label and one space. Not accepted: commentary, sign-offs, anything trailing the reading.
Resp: 7:23
